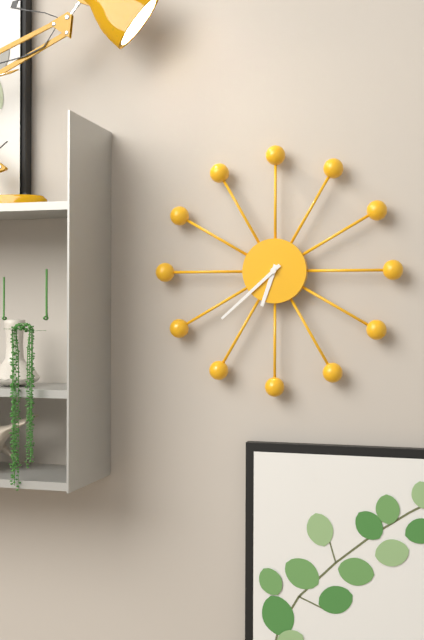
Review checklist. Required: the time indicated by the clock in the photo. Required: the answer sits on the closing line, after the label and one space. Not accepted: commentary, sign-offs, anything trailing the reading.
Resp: 6:38
